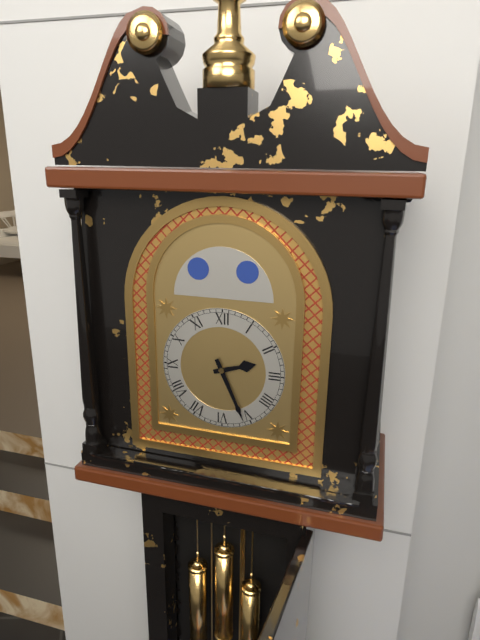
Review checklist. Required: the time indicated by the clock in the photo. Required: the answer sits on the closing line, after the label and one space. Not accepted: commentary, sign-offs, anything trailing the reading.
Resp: 2:26
